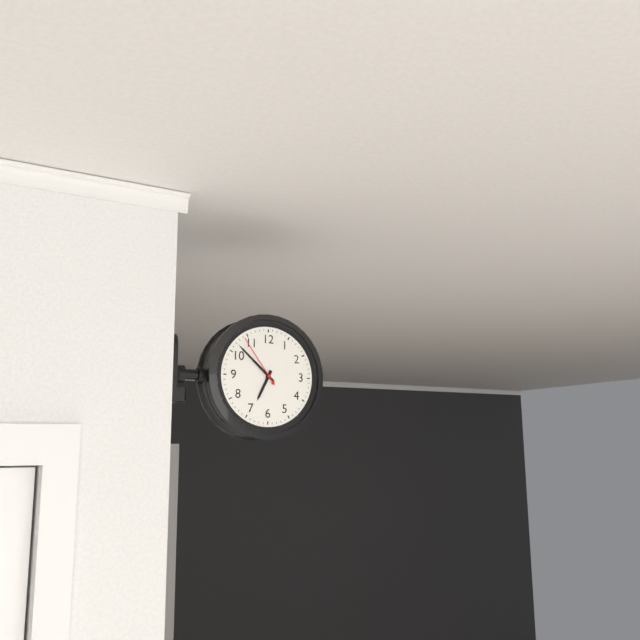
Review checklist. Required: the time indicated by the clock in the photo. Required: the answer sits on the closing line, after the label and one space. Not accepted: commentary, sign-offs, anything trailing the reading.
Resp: 6:52:54
